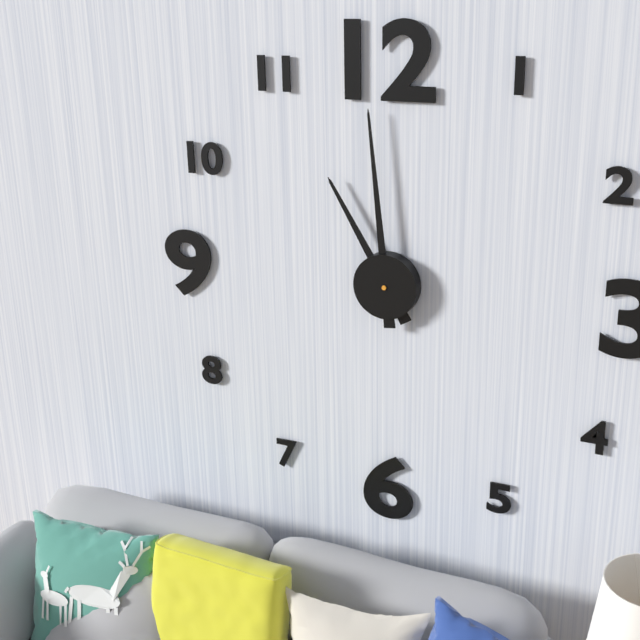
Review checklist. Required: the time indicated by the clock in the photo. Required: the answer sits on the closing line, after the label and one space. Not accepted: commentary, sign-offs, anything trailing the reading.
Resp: 10:59
